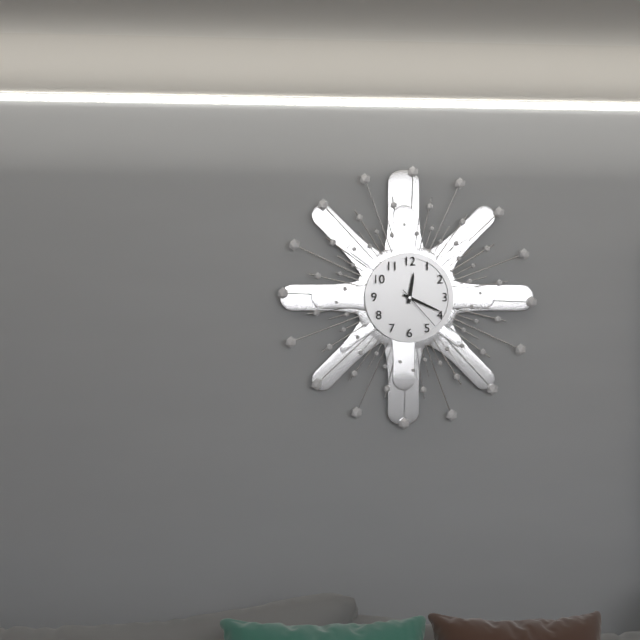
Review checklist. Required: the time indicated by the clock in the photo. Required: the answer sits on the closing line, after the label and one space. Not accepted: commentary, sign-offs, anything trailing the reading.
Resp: 12:19
